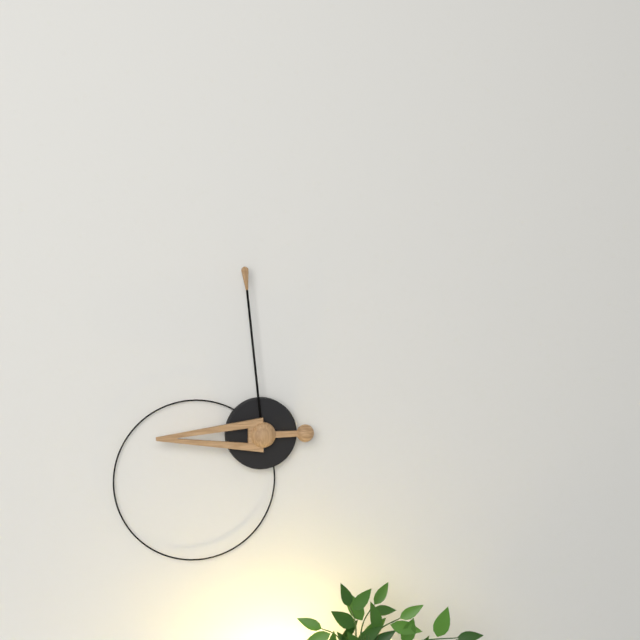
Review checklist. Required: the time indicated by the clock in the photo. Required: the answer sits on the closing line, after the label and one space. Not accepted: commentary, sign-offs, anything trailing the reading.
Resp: 8:59
